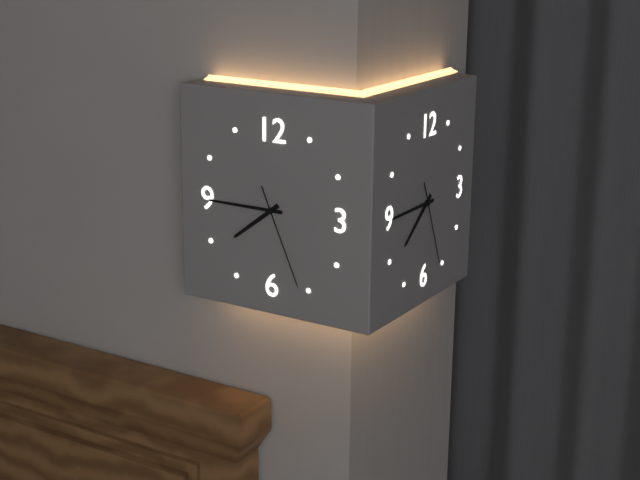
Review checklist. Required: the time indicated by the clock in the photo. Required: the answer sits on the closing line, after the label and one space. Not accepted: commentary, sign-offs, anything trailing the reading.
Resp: 7:45:26
